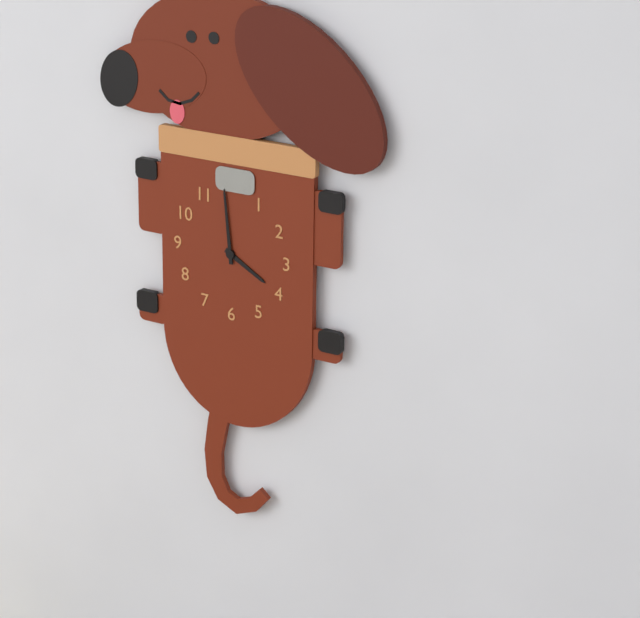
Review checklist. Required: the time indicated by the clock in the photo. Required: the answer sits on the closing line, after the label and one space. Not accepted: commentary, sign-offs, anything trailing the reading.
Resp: 3:59
